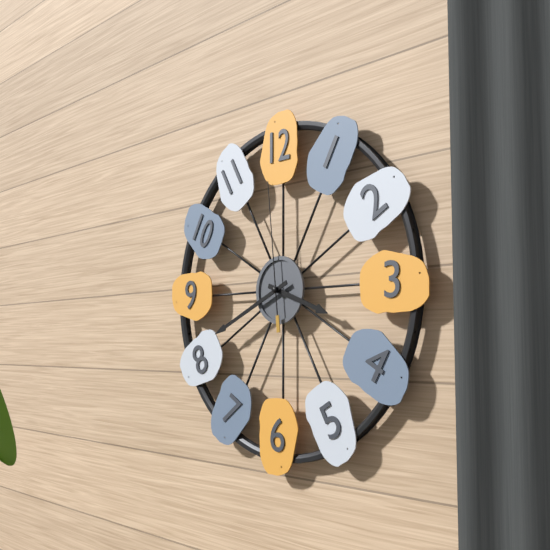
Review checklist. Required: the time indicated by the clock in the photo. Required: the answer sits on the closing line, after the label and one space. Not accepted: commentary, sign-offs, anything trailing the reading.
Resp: 3:41:59
